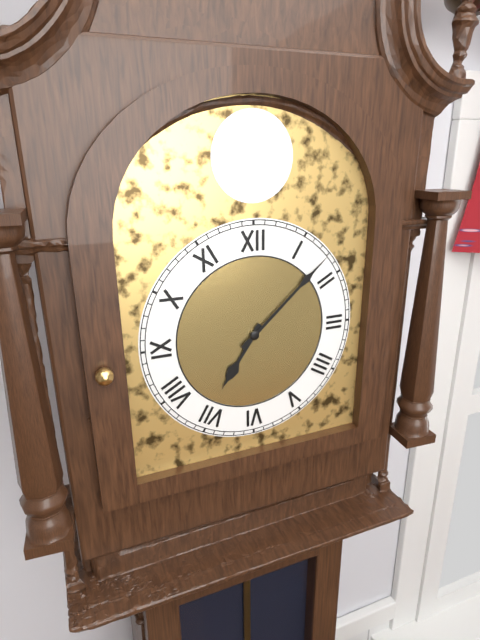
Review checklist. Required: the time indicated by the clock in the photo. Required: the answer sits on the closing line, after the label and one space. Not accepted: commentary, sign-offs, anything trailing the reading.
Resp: 7:08
